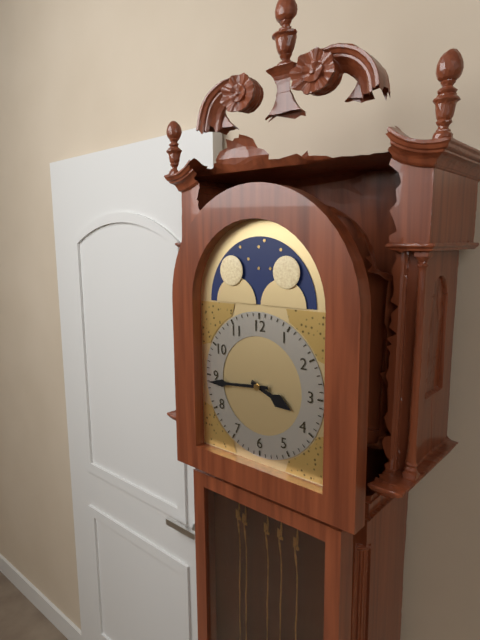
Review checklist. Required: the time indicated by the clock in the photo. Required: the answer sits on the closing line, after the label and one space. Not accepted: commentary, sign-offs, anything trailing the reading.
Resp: 3:44
